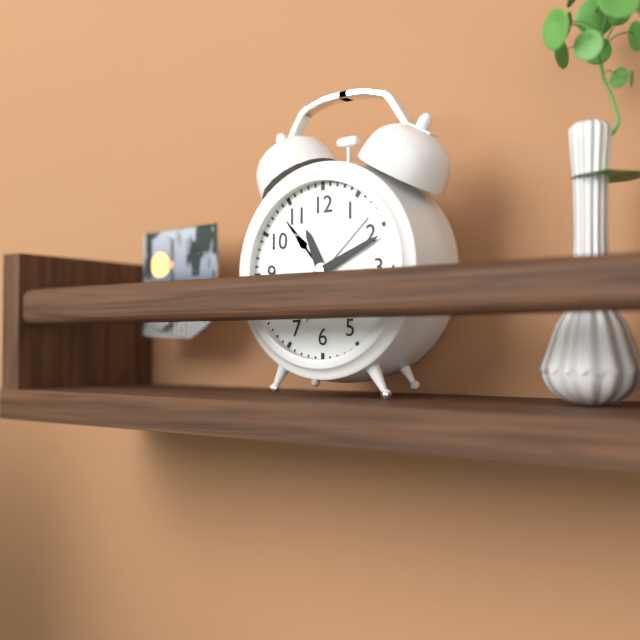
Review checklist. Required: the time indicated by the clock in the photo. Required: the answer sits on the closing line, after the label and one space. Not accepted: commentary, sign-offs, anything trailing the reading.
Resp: 11:11
